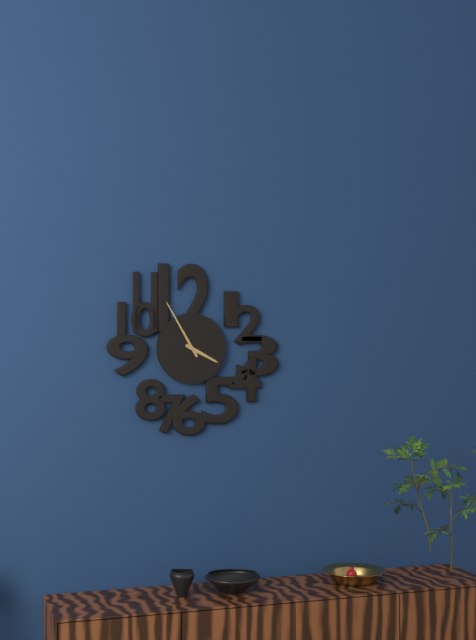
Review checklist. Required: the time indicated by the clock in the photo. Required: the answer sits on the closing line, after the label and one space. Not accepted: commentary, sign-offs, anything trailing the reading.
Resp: 3:55
